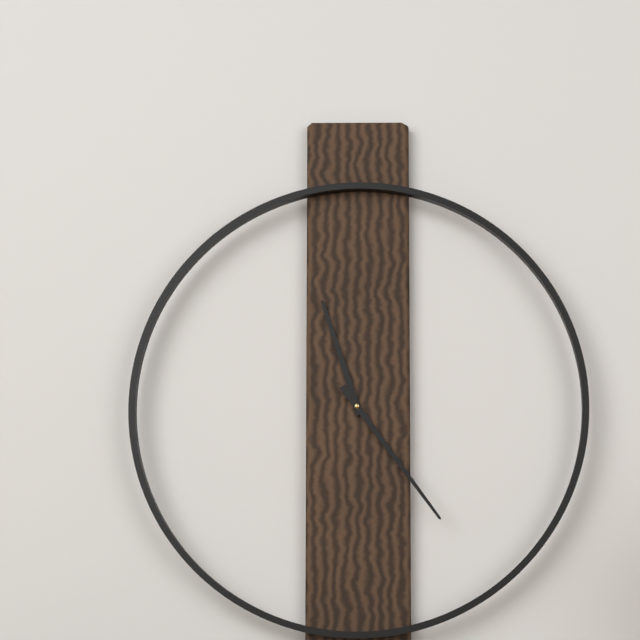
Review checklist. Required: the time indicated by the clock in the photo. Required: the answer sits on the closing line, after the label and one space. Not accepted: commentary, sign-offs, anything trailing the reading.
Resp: 11:24
